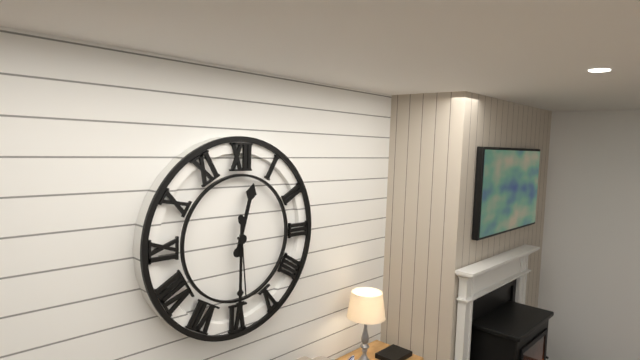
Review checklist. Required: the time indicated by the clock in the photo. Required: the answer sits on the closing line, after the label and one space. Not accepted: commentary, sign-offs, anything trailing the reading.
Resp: 12:30:29
